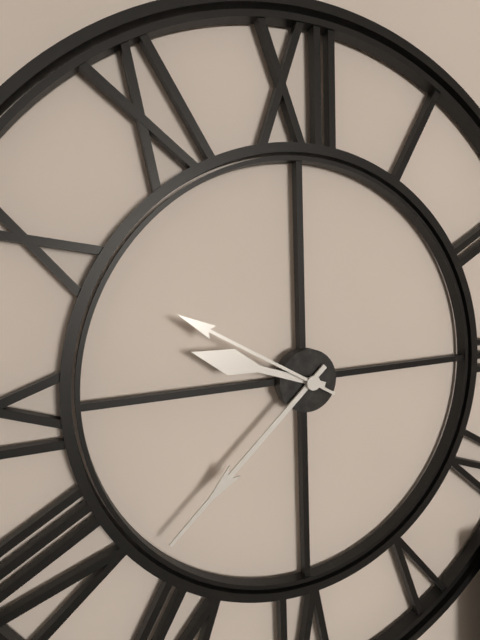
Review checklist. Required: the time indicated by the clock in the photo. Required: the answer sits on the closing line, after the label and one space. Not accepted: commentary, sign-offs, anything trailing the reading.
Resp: 9:38:50
